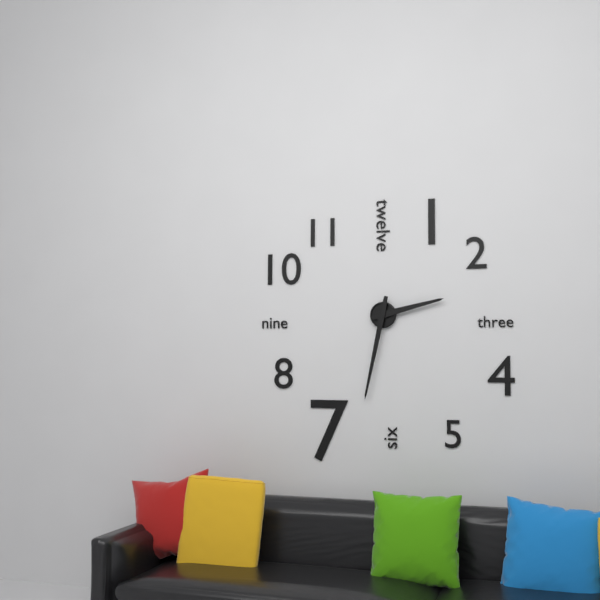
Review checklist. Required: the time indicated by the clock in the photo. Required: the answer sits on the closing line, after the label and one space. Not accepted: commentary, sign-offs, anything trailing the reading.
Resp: 2:32
